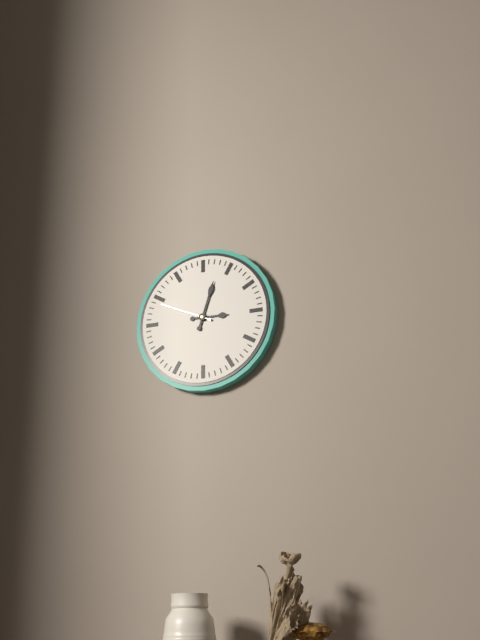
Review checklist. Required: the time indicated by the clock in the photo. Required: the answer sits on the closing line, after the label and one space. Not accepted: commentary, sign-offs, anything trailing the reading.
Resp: 3:03:49
